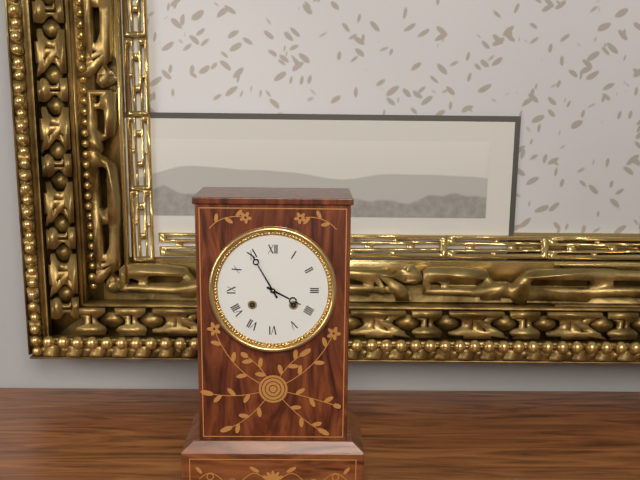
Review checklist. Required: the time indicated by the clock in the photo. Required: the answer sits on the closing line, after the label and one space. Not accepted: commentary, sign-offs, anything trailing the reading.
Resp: 3:55
